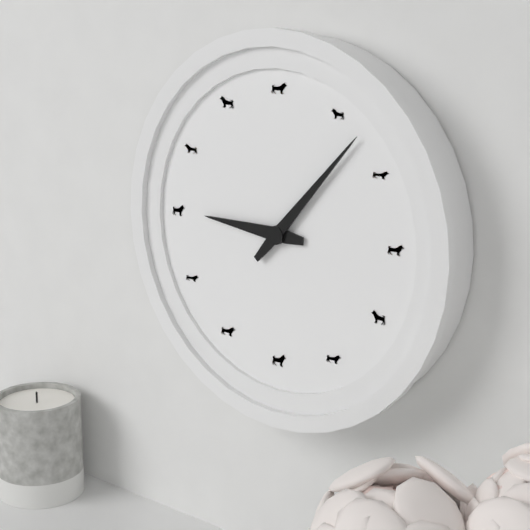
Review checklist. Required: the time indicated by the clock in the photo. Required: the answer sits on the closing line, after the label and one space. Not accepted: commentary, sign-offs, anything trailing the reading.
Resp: 9:07
